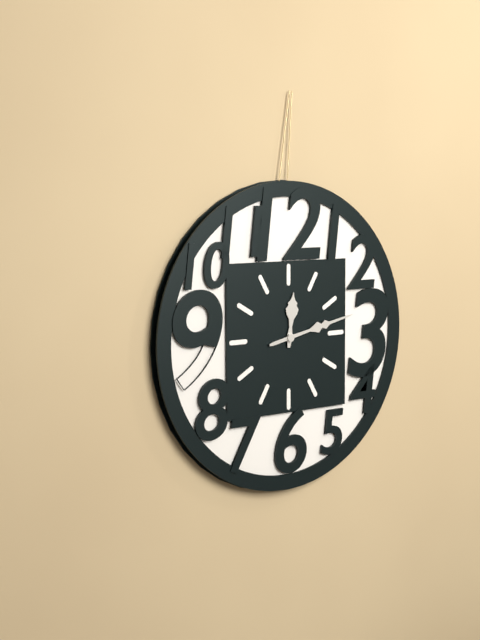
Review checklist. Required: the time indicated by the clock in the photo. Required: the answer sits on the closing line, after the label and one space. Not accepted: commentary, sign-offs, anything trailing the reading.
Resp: 12:13
